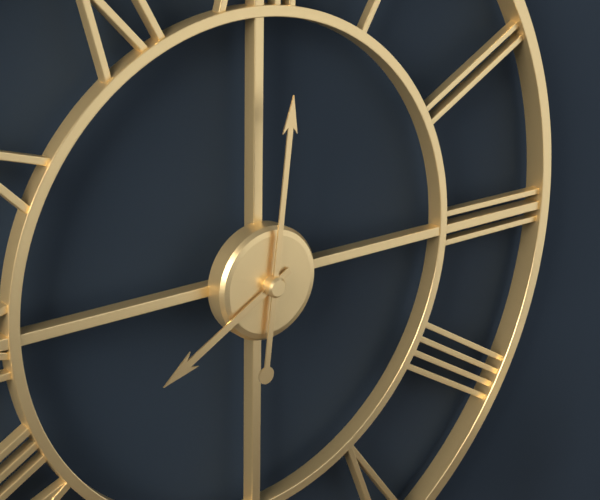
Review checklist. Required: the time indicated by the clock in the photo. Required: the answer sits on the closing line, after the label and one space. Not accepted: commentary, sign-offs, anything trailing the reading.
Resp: 8:01
